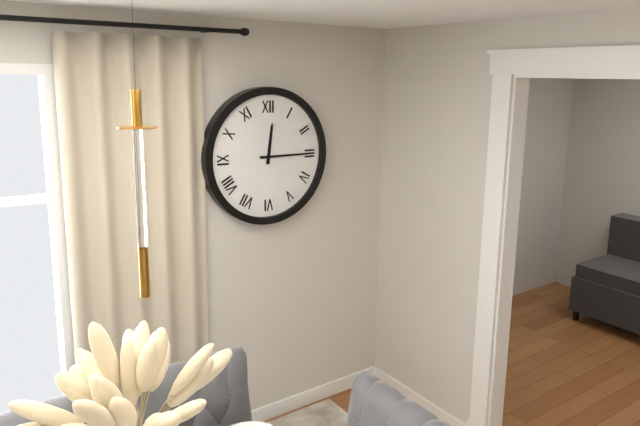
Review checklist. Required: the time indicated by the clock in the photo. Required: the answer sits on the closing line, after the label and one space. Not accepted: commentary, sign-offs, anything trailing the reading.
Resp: 12:15
